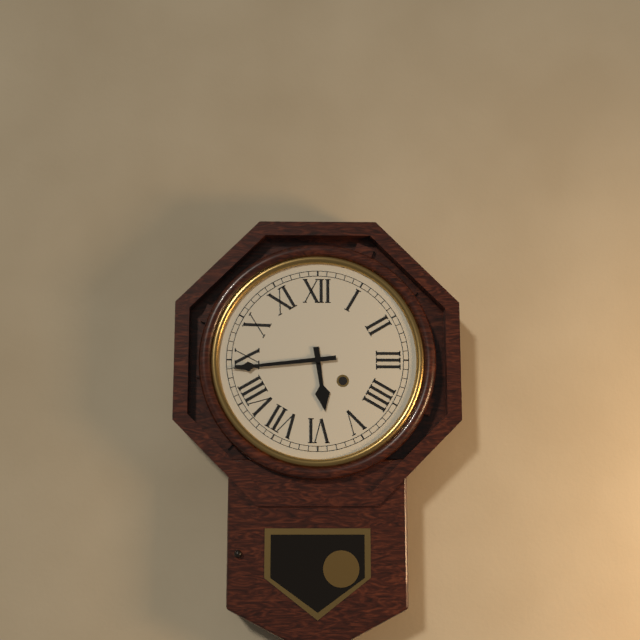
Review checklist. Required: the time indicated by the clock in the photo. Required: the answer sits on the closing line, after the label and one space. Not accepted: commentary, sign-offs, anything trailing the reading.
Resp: 5:44
